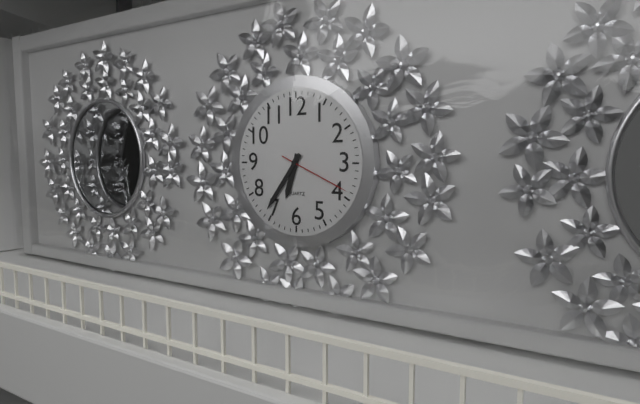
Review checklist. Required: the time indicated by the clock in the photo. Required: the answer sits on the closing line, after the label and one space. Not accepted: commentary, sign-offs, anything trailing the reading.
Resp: 6:36:19
